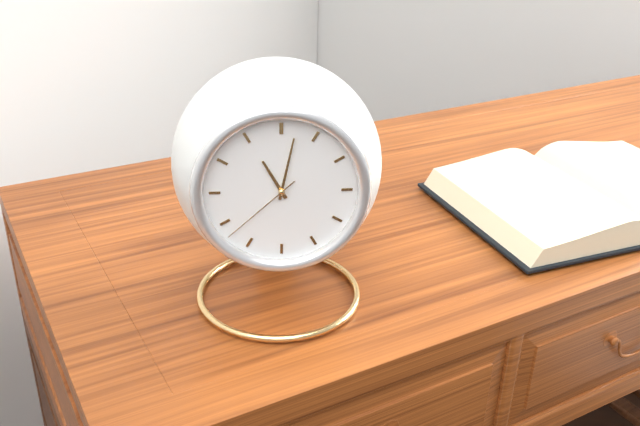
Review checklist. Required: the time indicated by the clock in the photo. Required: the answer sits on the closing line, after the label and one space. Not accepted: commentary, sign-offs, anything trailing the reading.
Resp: 11:02:38
